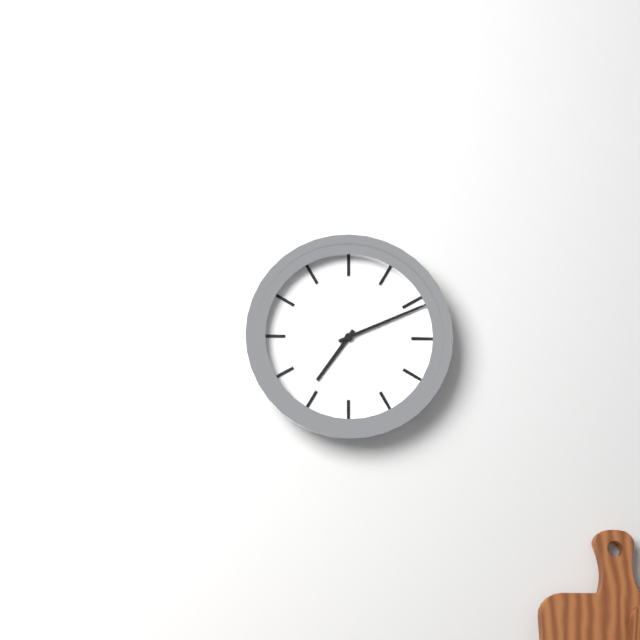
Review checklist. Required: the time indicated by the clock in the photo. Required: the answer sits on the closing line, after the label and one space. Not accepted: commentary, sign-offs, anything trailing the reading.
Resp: 7:11
